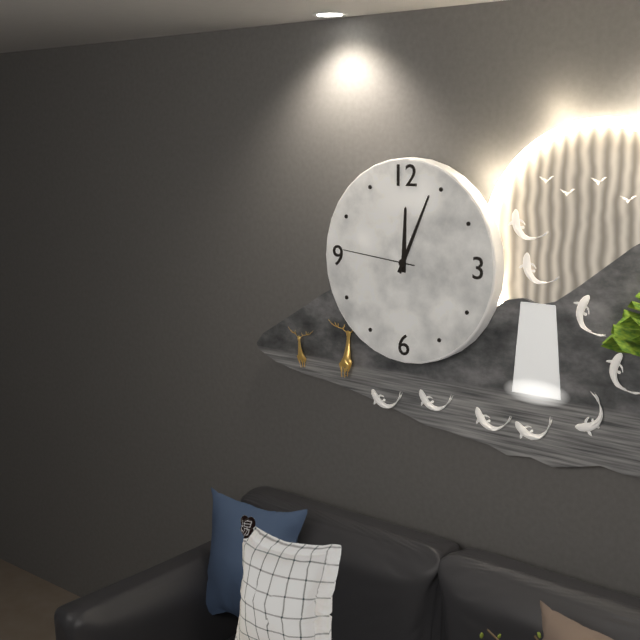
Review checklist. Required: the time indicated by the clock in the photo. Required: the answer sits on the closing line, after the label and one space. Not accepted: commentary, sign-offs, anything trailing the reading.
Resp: 12:04:46
